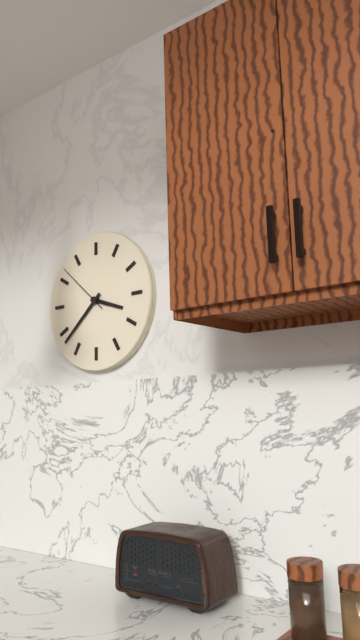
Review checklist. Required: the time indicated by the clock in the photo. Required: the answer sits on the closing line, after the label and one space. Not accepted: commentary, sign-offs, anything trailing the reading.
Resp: 3:38:52
